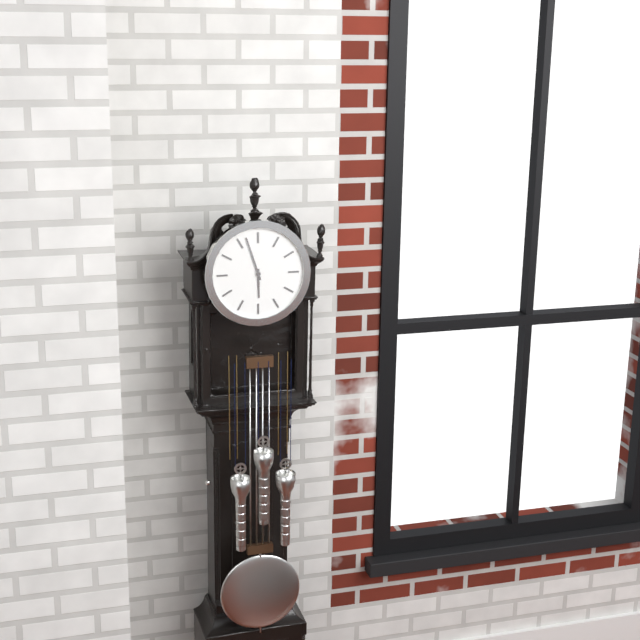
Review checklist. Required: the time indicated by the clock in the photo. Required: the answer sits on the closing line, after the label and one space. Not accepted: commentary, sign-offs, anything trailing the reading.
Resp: 5:57
